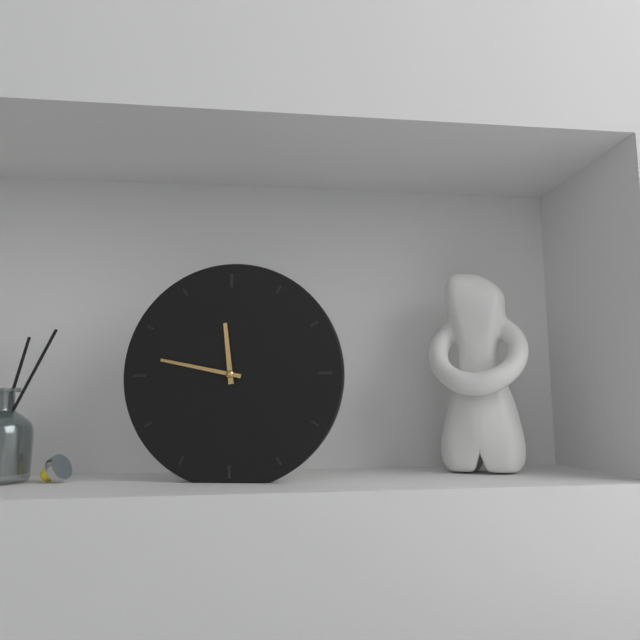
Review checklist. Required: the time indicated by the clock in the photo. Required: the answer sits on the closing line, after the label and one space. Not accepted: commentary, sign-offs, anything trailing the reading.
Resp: 11:47
